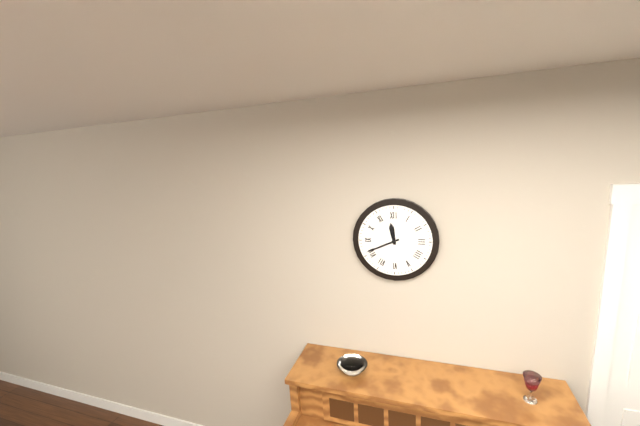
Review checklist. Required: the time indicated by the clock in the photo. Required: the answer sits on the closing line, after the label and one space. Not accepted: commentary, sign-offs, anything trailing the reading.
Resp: 11:41
